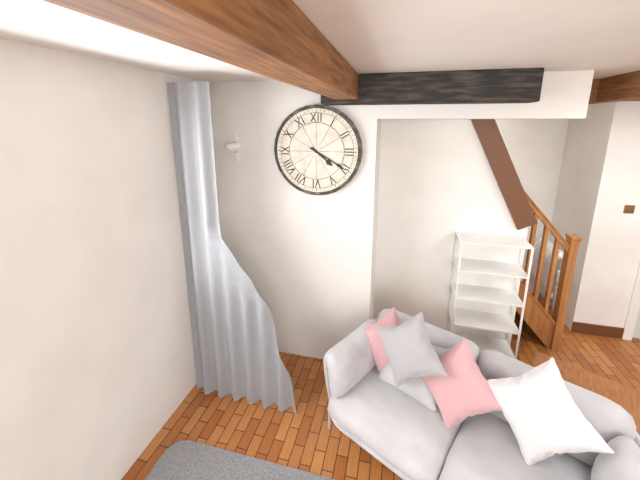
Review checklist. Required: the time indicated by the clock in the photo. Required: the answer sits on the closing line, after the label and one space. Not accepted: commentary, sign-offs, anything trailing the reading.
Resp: 4:20
